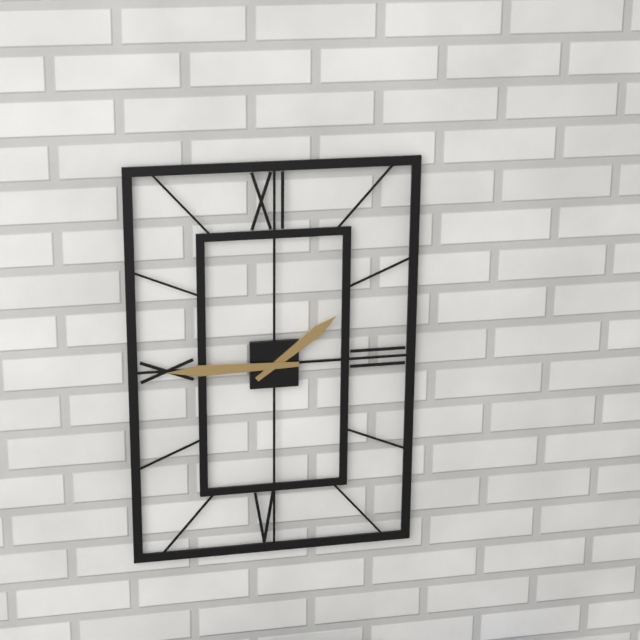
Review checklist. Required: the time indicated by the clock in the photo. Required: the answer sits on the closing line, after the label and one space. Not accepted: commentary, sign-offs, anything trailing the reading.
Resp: 1:45
